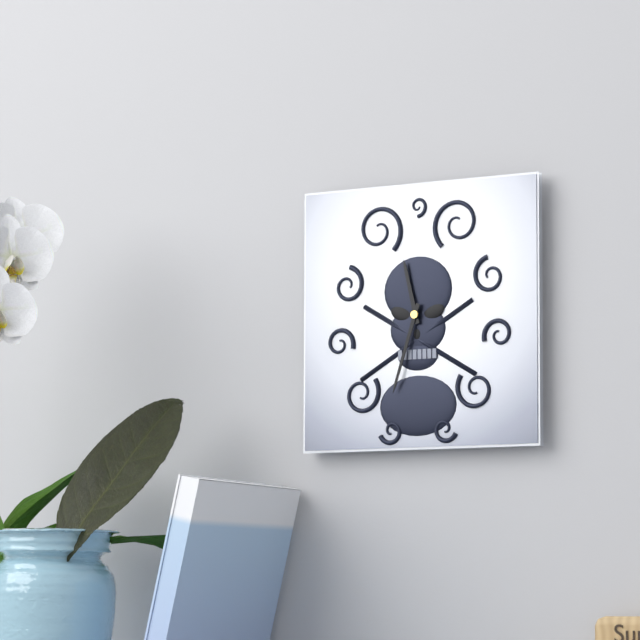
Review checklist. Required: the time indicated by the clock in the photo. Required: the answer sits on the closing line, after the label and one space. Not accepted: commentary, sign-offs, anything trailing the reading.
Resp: 11:33
